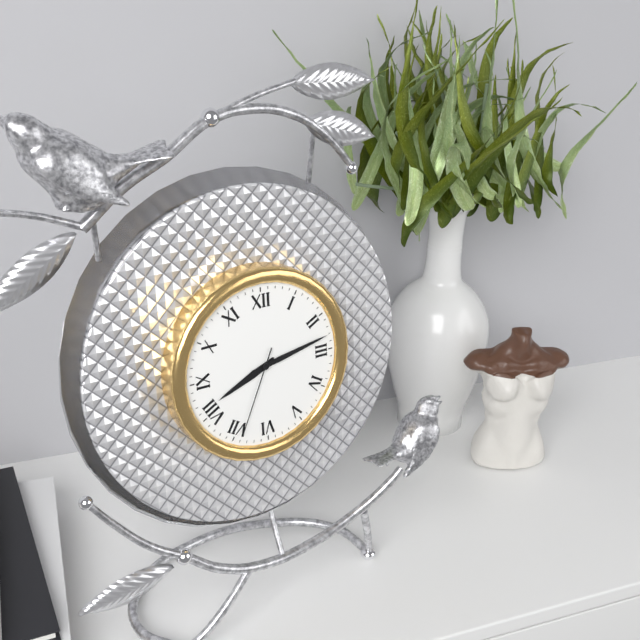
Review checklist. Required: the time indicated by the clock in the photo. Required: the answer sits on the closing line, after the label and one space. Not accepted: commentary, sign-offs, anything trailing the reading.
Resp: 8:13:34
